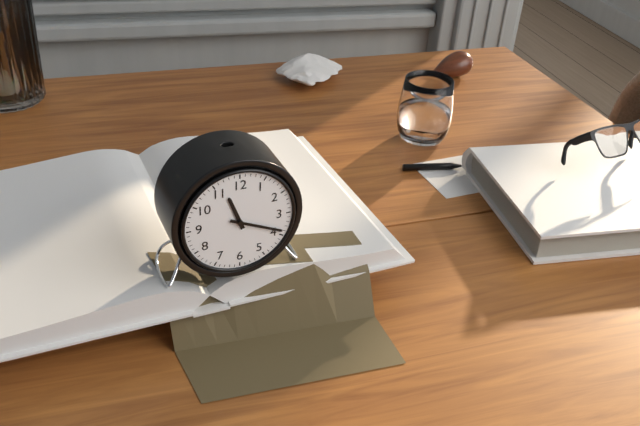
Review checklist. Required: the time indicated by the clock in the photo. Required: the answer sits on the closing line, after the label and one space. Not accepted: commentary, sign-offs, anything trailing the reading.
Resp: 11:19
